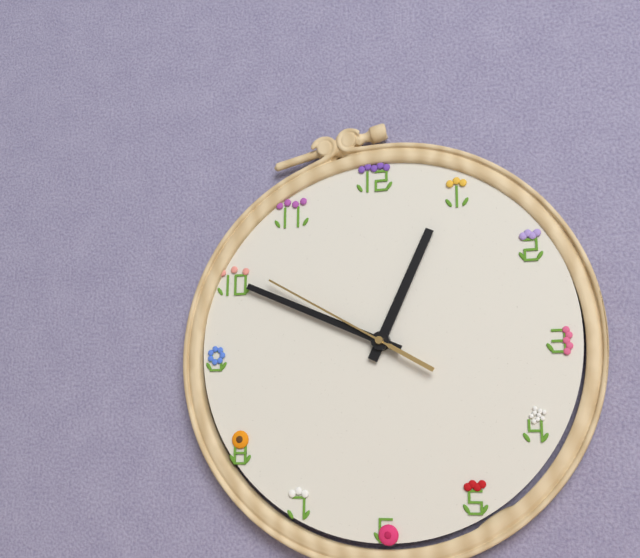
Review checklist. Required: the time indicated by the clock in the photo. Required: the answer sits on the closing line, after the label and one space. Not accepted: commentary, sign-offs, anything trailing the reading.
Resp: 12:49:50
